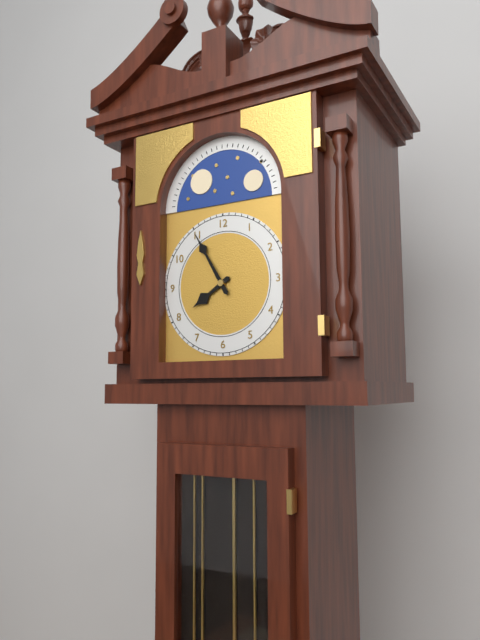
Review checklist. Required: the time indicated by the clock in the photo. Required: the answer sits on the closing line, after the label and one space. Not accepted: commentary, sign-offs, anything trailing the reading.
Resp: 7:55
